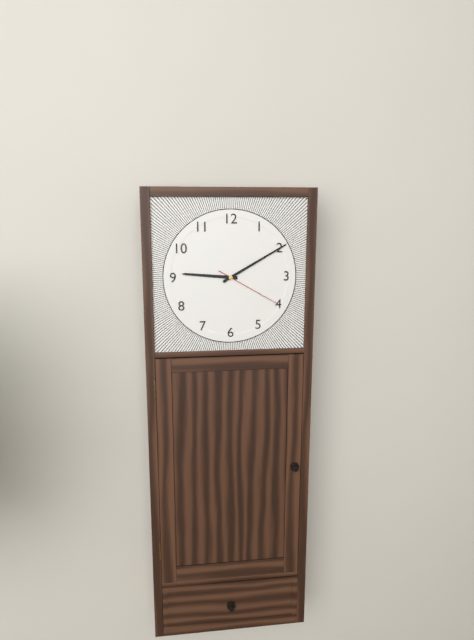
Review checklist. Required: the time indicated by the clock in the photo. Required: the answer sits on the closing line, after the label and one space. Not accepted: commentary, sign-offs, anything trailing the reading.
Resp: 9:10:20
